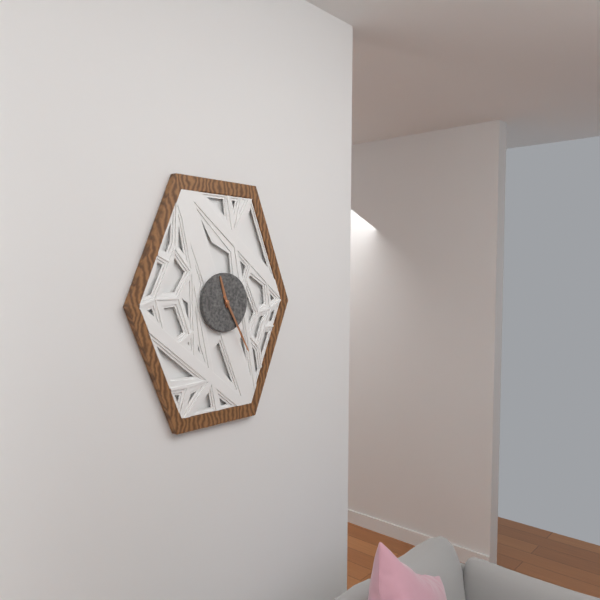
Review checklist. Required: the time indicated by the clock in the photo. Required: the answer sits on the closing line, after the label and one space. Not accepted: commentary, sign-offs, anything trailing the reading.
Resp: 11:25
